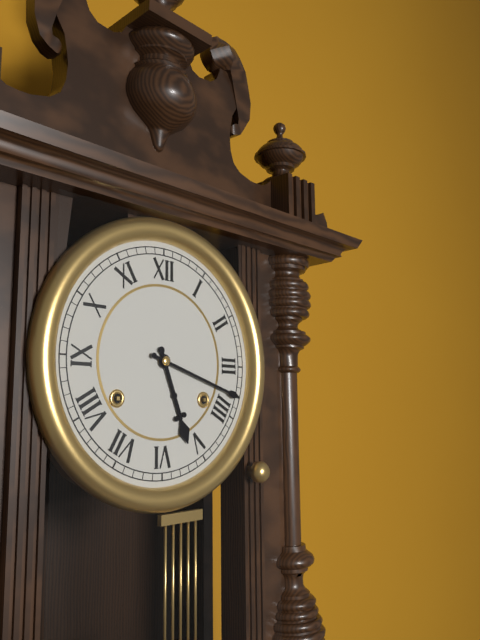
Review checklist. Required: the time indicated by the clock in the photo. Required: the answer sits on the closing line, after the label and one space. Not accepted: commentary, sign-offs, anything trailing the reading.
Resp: 5:18
